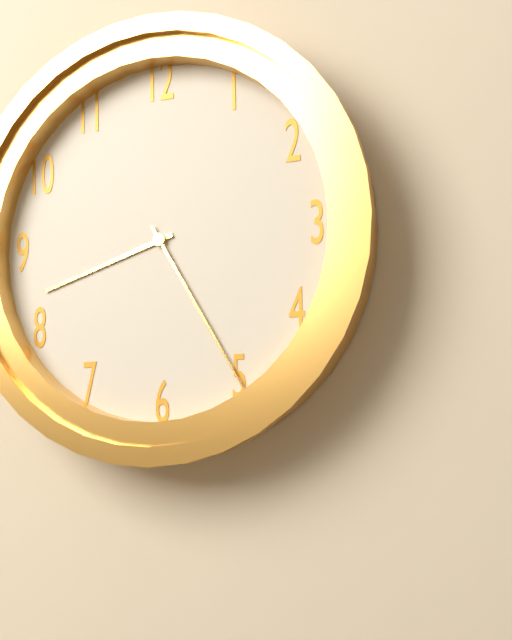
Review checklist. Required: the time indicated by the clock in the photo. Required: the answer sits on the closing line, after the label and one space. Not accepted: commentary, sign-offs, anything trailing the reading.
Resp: 8:25
